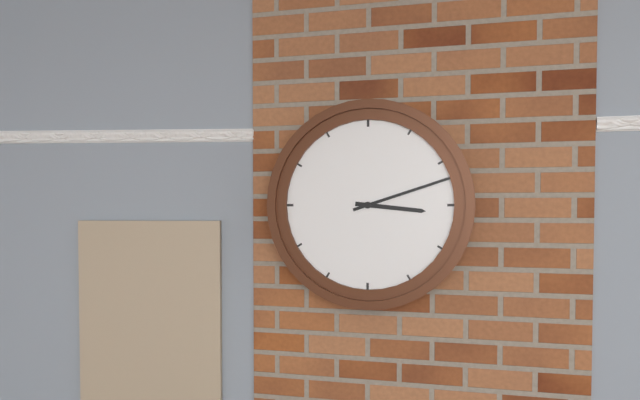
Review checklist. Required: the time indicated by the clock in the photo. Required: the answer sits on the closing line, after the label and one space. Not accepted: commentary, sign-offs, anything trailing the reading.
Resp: 3:12
